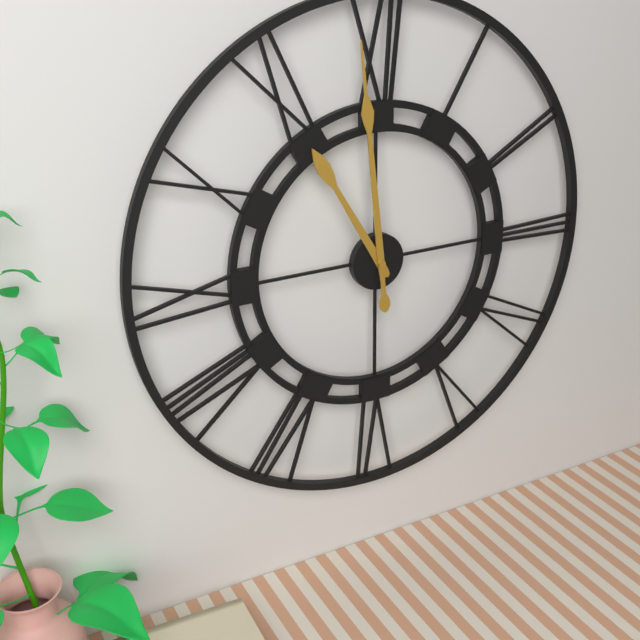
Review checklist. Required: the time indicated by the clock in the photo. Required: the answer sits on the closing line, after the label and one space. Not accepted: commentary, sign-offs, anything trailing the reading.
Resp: 10:59
